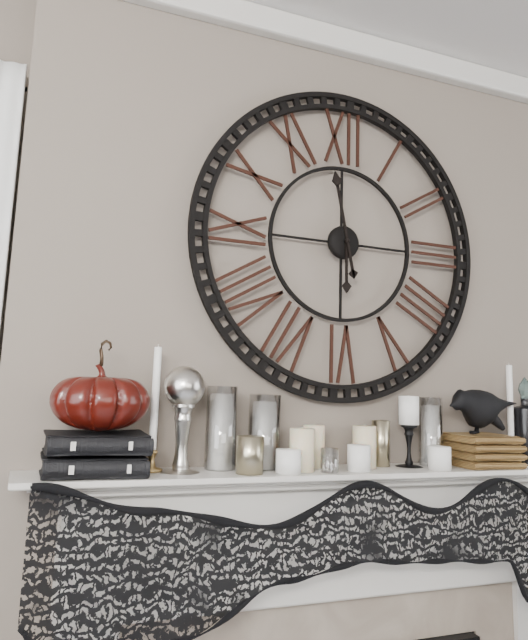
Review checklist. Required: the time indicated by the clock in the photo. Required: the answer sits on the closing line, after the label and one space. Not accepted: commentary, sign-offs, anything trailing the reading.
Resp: 5:58
